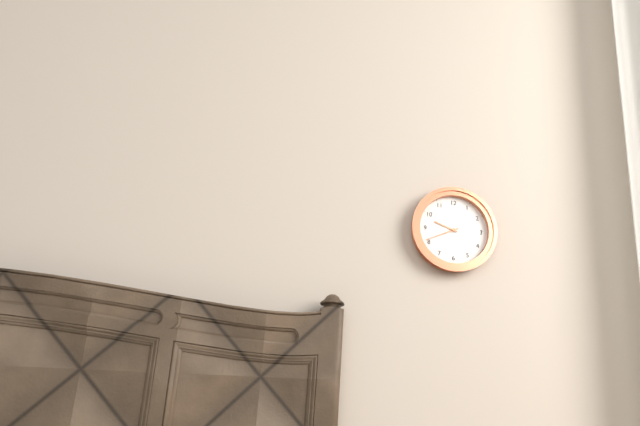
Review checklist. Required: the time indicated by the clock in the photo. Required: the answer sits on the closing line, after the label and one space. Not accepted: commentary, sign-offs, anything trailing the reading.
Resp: 9:41
